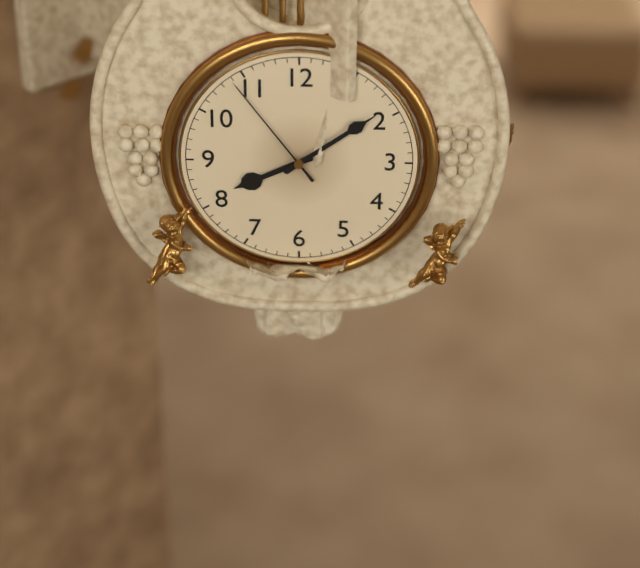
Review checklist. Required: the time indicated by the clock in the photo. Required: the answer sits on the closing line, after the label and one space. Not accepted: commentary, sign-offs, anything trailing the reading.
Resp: 8:09:54
